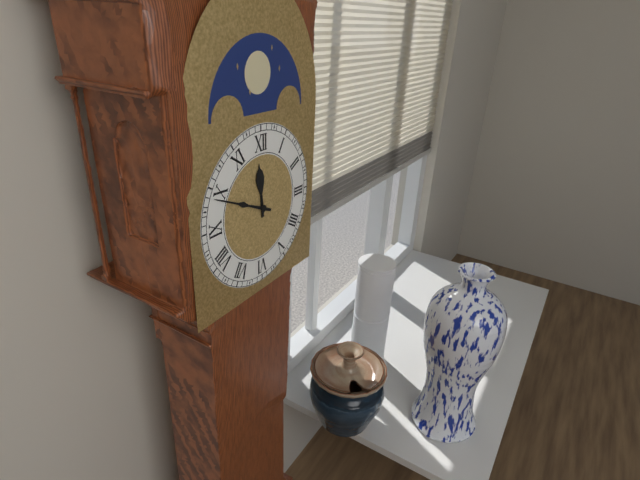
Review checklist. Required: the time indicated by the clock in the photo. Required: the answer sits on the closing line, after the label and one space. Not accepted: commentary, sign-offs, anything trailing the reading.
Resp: 11:49
